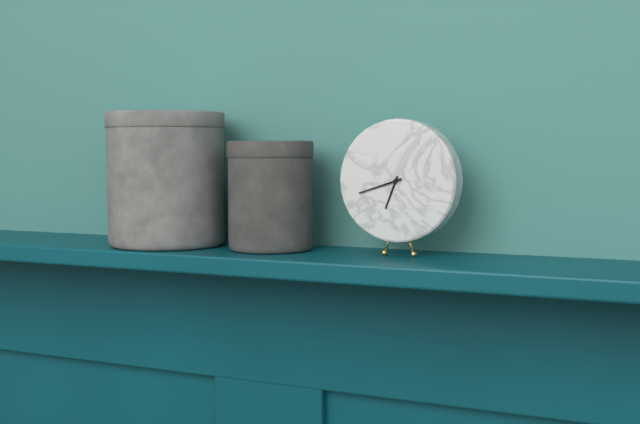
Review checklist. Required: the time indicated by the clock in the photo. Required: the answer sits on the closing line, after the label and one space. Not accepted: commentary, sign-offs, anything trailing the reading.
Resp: 6:42
